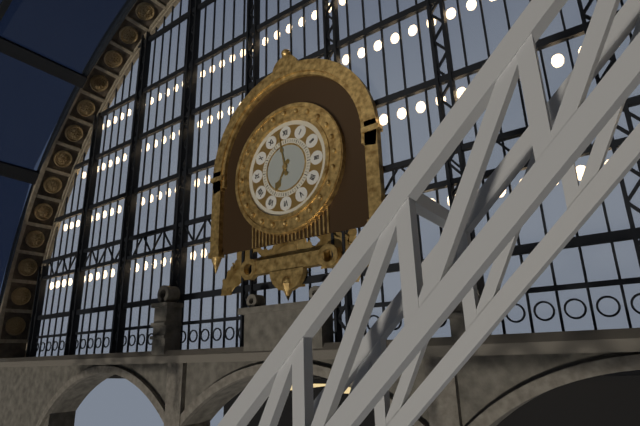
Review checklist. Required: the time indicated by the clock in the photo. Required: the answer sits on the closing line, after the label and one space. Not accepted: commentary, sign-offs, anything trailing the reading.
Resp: 6:58
